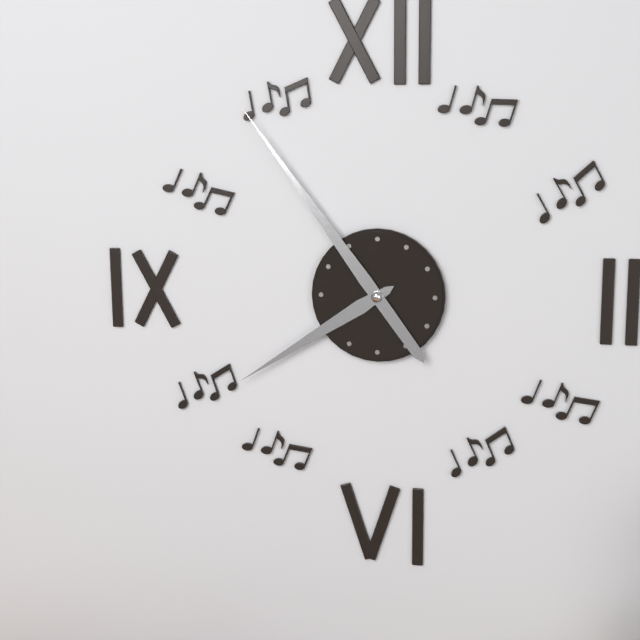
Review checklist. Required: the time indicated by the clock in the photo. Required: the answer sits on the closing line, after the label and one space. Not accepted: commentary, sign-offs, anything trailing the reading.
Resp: 7:54
